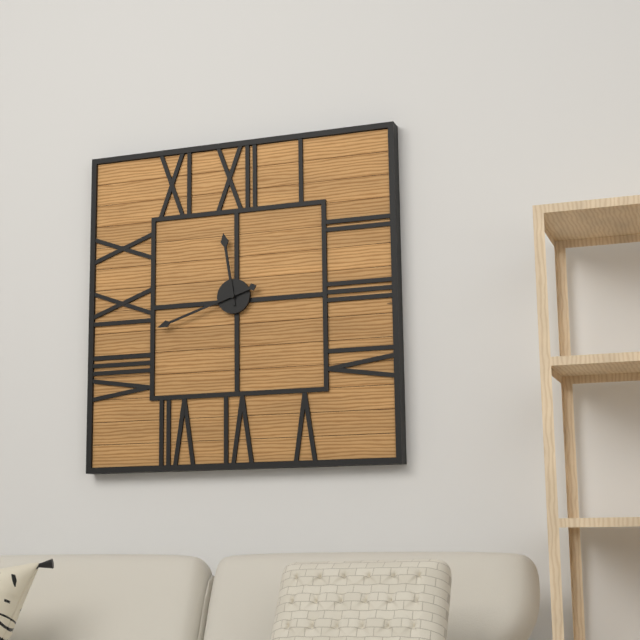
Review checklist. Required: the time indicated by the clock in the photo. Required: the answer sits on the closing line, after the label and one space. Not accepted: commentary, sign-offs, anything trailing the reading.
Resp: 11:42
